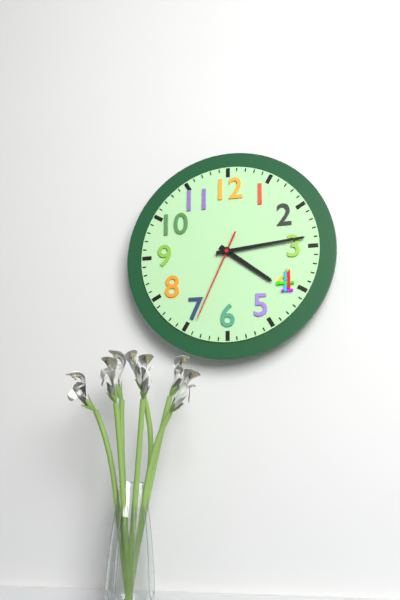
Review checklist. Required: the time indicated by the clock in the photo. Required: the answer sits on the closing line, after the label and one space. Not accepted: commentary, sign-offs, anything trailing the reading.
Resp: 4:14:34
